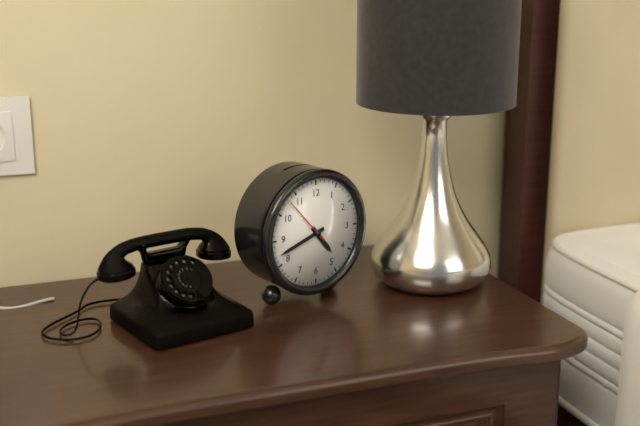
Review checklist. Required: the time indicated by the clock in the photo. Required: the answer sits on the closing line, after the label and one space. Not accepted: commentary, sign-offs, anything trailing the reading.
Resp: 4:42:53
